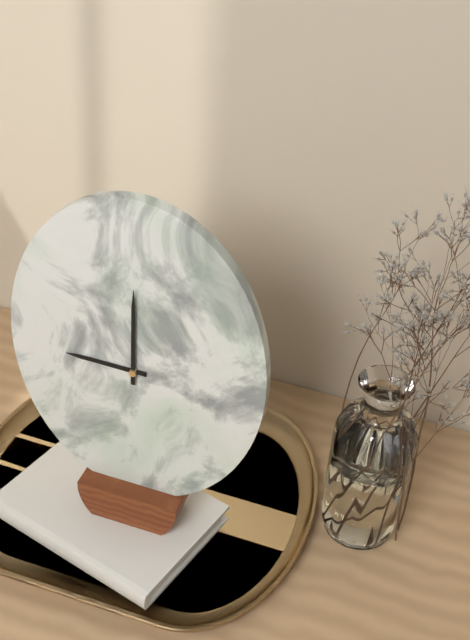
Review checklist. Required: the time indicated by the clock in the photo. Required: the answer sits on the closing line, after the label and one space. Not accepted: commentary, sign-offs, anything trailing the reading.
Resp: 9:00
